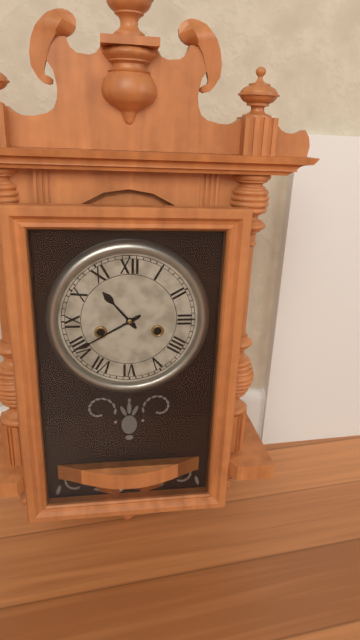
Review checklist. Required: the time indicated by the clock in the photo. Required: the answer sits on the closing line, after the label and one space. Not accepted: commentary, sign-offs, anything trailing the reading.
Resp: 10:40
